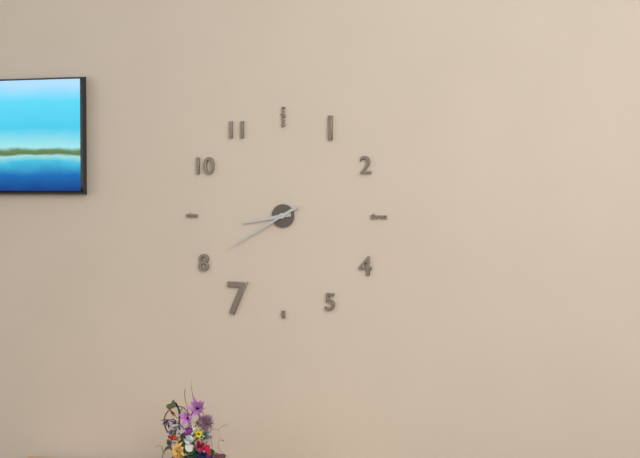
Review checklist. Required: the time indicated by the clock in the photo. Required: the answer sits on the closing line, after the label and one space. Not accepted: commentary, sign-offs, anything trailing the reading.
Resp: 8:40
